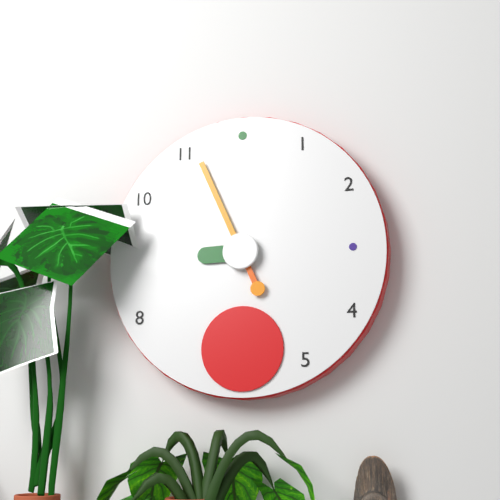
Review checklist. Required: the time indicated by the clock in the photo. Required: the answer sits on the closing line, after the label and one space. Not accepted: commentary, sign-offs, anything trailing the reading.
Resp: 8:56
